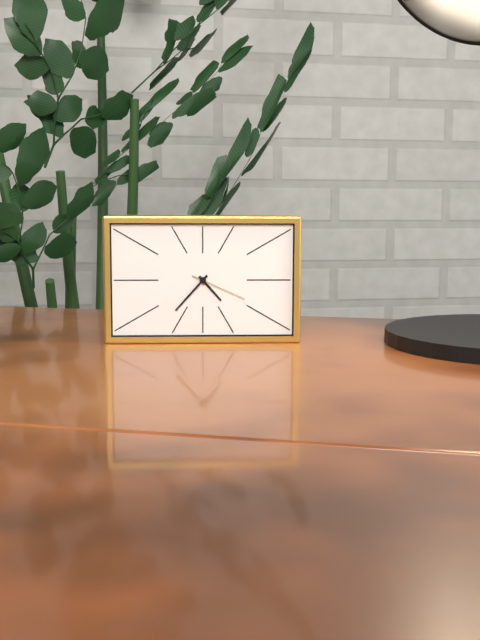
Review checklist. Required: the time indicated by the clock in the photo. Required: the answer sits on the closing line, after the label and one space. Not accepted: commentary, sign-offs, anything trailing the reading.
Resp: 4:37:19
